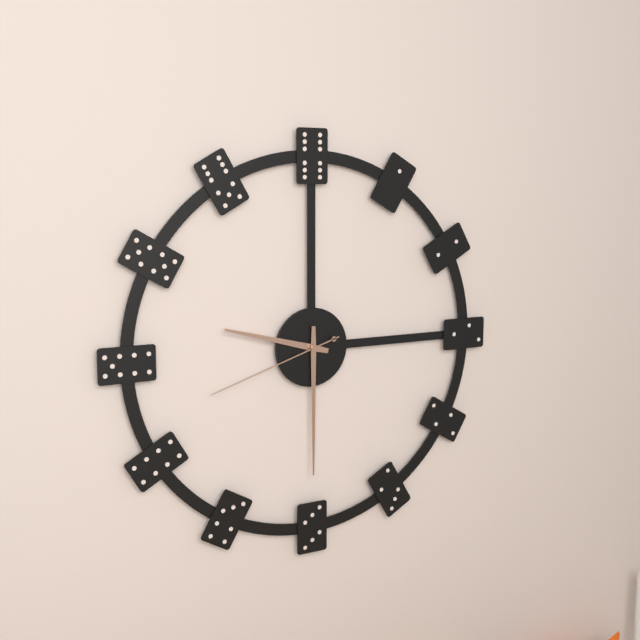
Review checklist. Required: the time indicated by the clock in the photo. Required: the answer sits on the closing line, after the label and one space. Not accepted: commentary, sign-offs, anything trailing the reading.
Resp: 9:30:42
